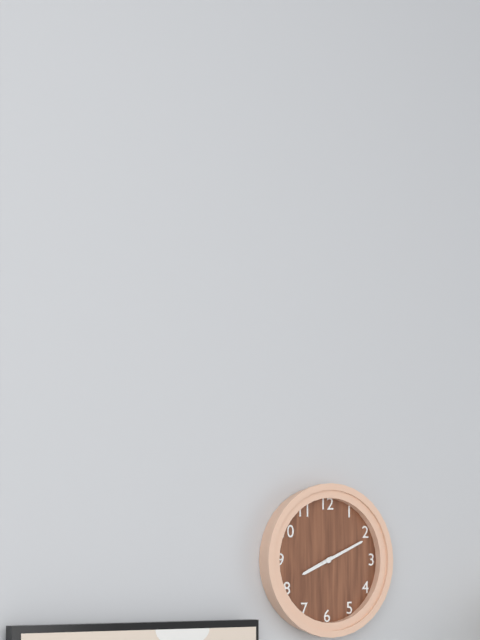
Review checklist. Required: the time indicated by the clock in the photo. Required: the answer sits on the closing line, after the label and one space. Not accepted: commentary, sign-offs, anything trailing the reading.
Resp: 8:11
